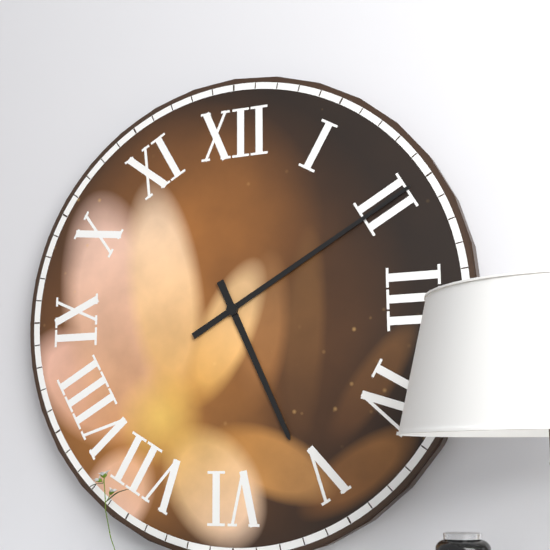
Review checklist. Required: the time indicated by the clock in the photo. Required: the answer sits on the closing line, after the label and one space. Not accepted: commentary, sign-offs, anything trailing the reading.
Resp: 5:10
